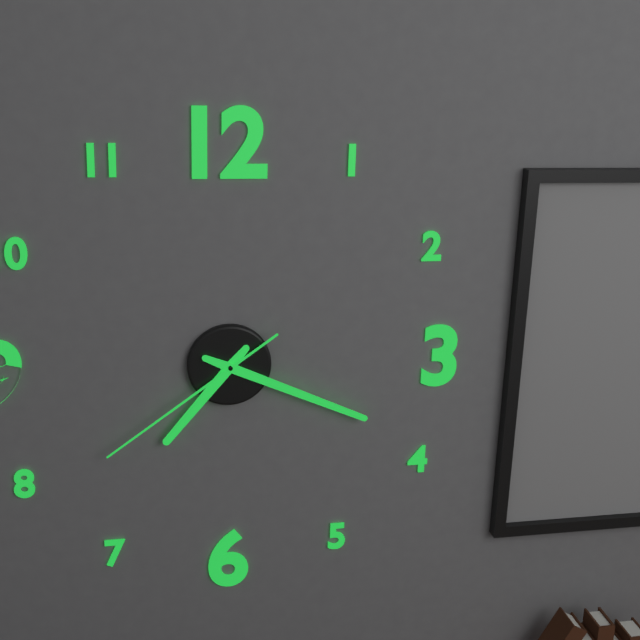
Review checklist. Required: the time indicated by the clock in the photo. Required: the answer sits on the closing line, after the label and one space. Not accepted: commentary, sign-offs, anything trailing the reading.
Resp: 7:19:39
